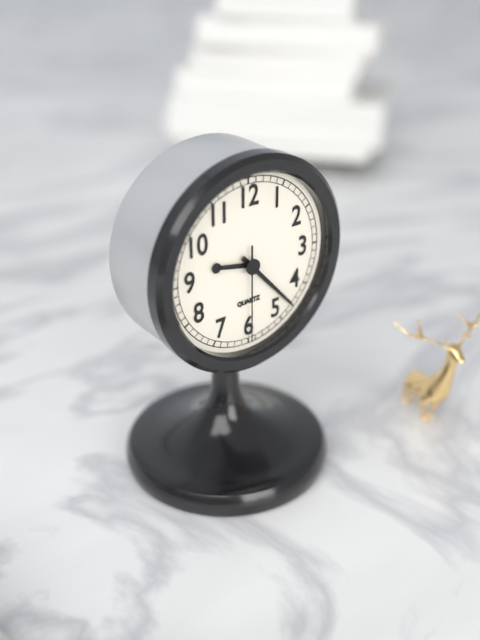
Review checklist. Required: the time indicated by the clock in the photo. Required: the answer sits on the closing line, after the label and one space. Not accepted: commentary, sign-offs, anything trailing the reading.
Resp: 9:23:30
